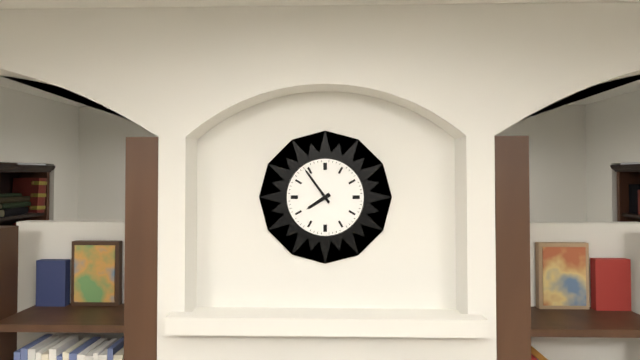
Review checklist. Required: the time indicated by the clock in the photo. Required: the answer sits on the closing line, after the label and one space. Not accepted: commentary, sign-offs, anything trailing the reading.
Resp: 7:54
